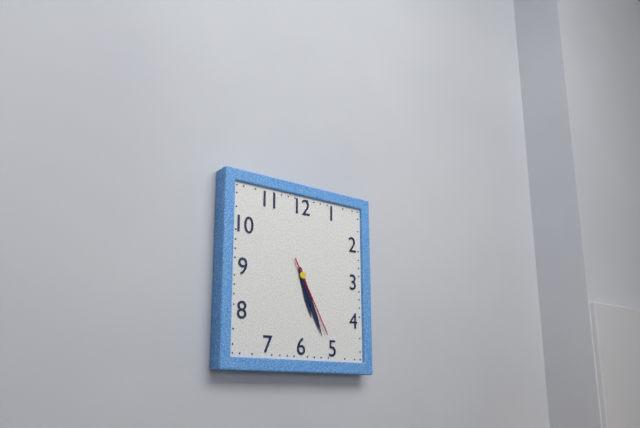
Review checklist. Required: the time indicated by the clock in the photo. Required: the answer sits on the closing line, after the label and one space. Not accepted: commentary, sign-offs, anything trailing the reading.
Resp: 5:26:25
